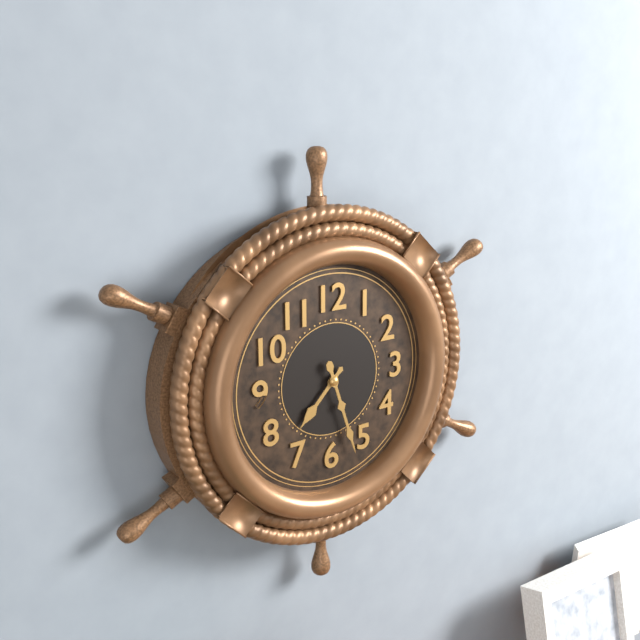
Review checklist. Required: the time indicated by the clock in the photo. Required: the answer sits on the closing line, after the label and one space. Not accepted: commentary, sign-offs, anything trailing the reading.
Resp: 7:27
